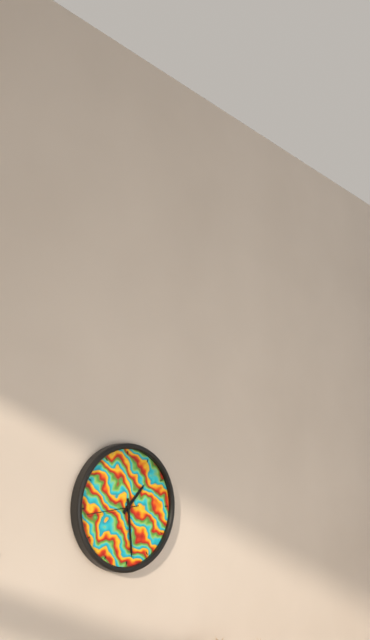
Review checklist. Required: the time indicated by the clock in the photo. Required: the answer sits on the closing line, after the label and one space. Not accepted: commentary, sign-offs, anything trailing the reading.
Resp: 1:29
